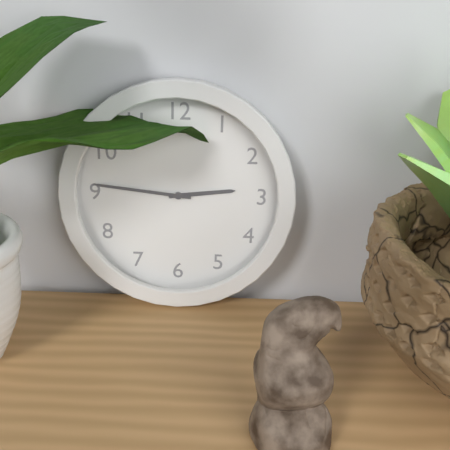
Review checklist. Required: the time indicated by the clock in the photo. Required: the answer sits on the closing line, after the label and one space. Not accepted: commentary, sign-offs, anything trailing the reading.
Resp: 2:46
